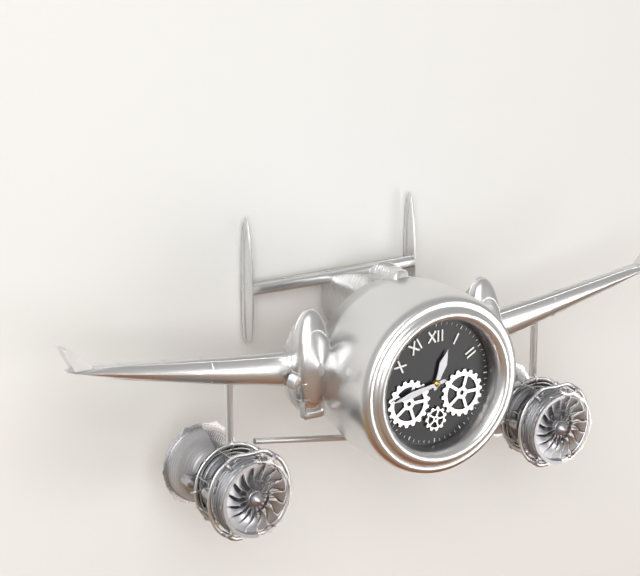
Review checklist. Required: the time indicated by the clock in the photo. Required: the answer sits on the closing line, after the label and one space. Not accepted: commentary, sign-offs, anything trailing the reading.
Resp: 12:43
